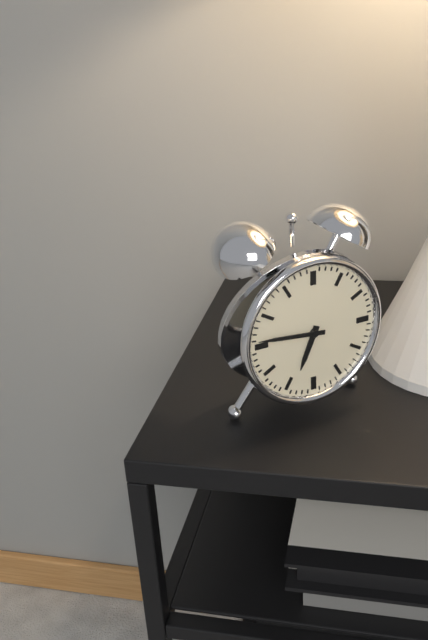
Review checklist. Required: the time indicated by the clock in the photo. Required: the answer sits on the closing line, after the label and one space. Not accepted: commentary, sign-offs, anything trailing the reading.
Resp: 6:46
